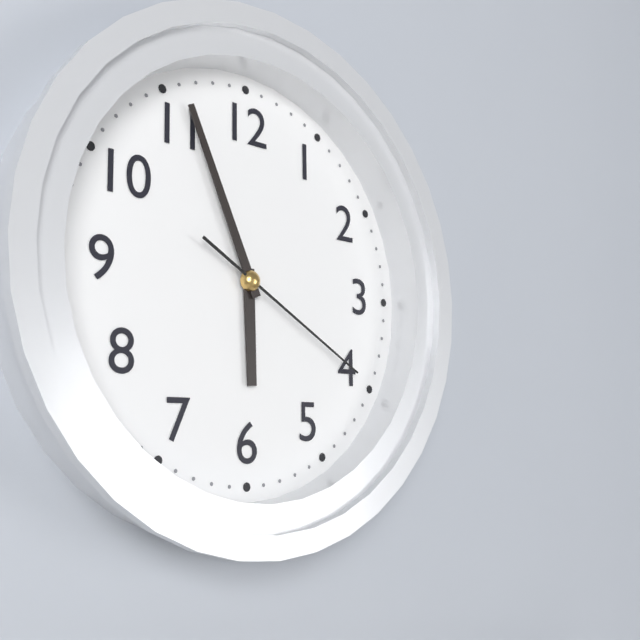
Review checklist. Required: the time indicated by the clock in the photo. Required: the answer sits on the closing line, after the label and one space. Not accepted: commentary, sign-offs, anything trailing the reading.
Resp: 5:56:20
